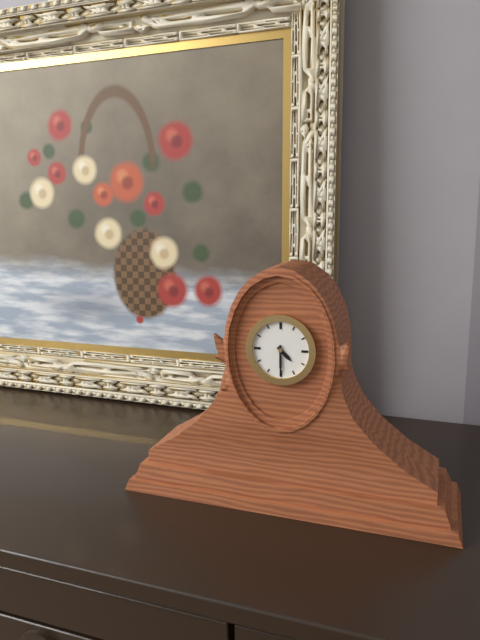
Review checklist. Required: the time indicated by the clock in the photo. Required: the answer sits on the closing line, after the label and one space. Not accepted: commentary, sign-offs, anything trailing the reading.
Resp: 4:30
